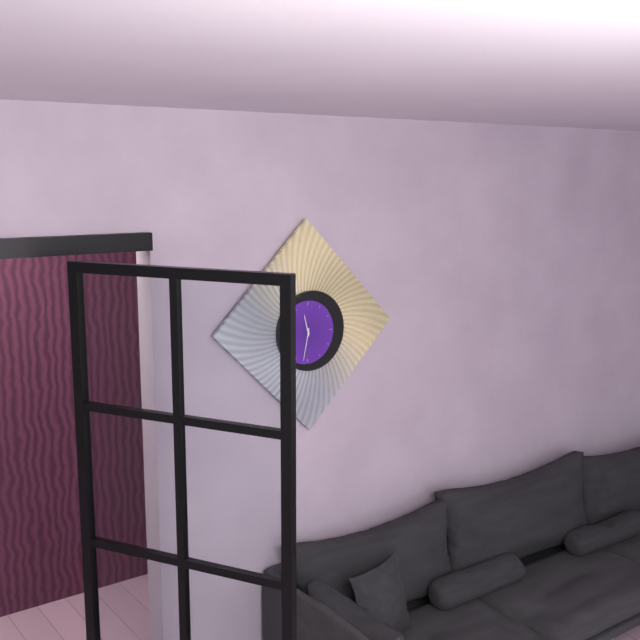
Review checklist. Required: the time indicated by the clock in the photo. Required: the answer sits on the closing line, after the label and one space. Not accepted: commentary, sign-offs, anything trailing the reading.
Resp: 11:32
